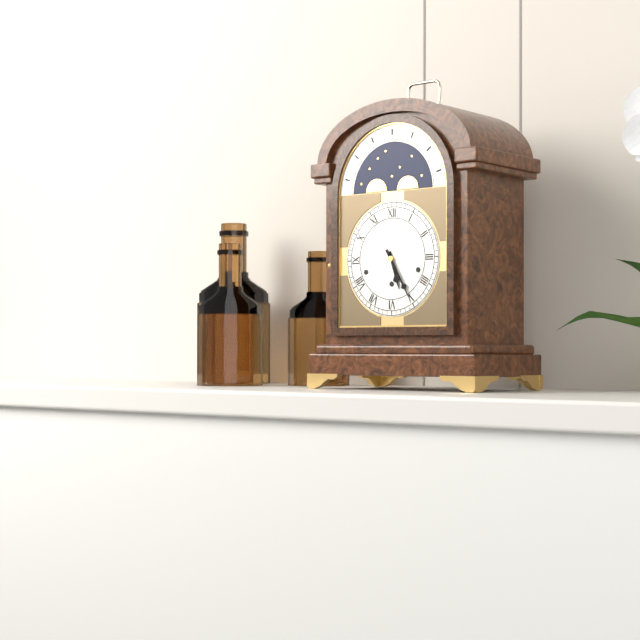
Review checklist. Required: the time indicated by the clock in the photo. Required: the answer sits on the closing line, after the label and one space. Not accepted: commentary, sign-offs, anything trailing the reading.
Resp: 5:25
